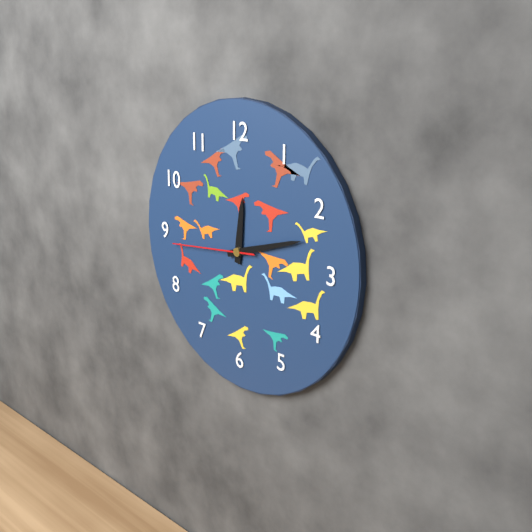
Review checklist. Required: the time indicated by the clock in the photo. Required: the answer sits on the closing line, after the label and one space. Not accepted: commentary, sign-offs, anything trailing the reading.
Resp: 12:12:44
